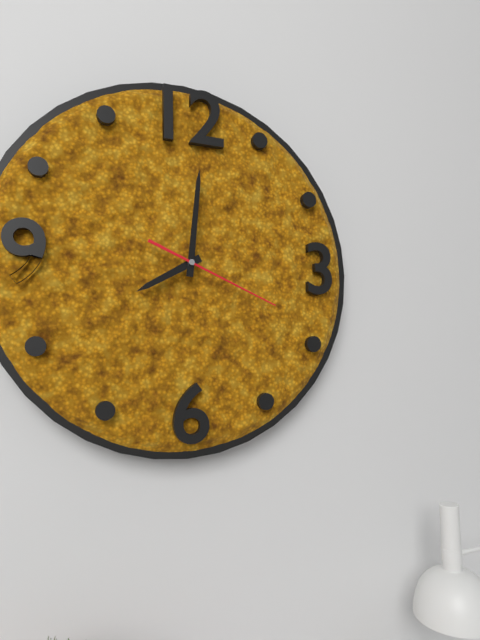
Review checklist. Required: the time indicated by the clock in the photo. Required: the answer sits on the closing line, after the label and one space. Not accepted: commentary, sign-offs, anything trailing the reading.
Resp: 8:01:19
